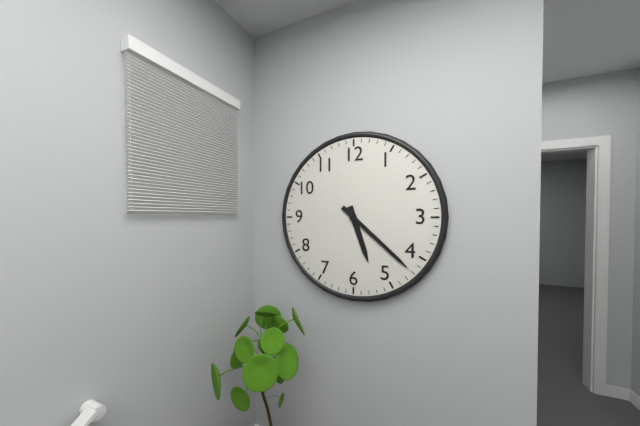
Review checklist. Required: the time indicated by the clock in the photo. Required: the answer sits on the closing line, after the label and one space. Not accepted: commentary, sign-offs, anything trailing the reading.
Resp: 5:22
